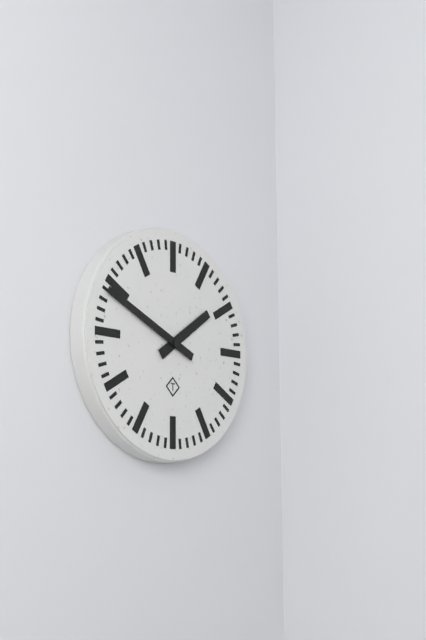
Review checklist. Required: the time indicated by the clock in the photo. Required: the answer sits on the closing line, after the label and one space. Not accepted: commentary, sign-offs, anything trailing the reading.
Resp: 1:49
